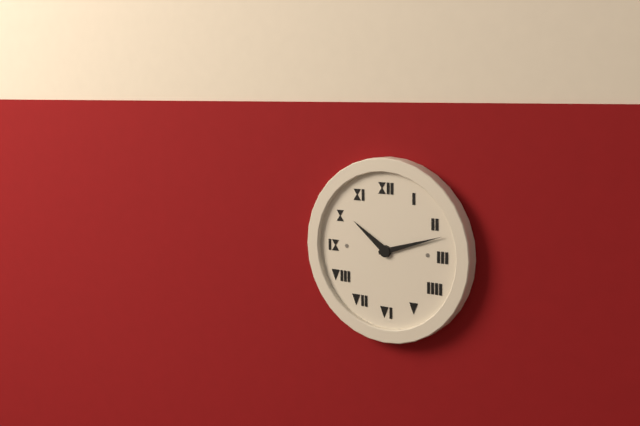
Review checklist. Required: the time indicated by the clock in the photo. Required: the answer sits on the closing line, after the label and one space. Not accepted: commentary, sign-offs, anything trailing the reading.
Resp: 10:12
